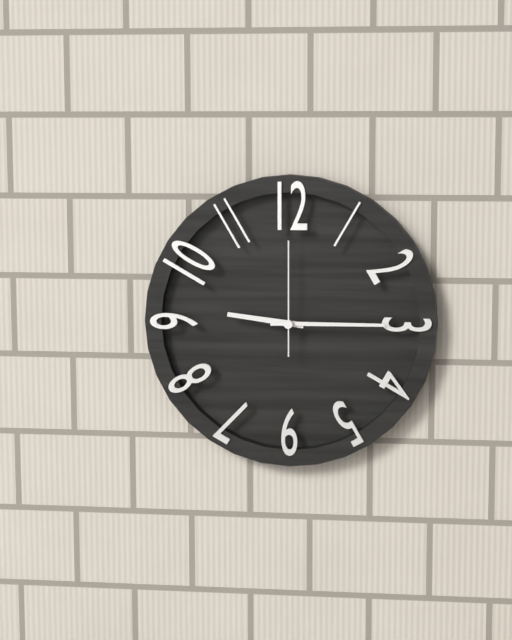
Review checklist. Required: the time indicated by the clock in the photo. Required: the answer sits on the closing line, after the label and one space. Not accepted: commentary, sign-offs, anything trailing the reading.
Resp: 9:15:00
